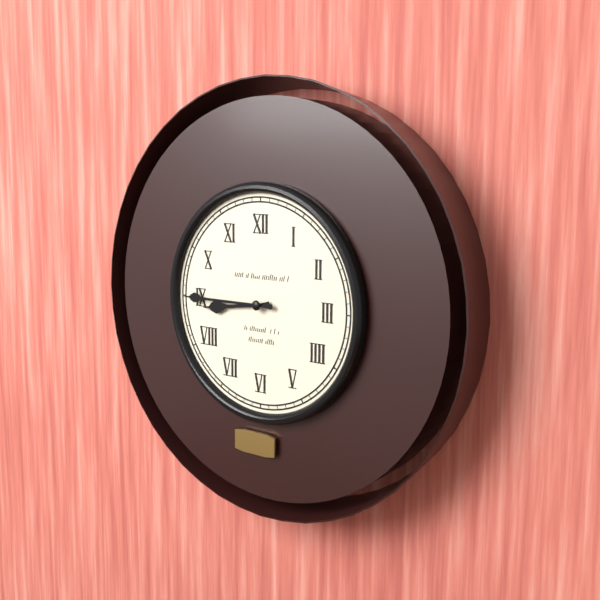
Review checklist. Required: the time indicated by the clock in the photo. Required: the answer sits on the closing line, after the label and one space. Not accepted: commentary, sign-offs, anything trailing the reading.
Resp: 8:45
